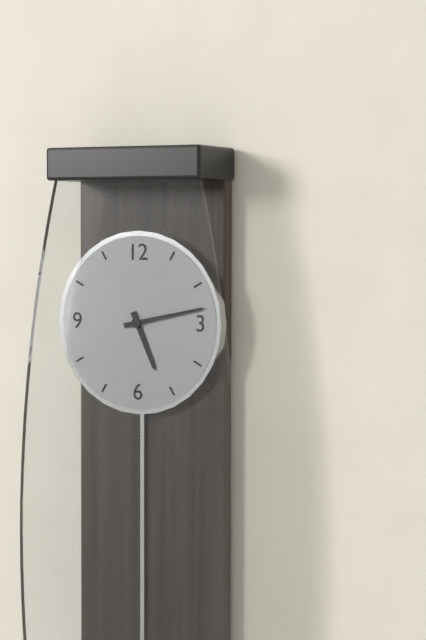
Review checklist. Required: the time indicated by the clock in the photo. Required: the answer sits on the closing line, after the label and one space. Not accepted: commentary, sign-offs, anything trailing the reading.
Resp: 5:13
